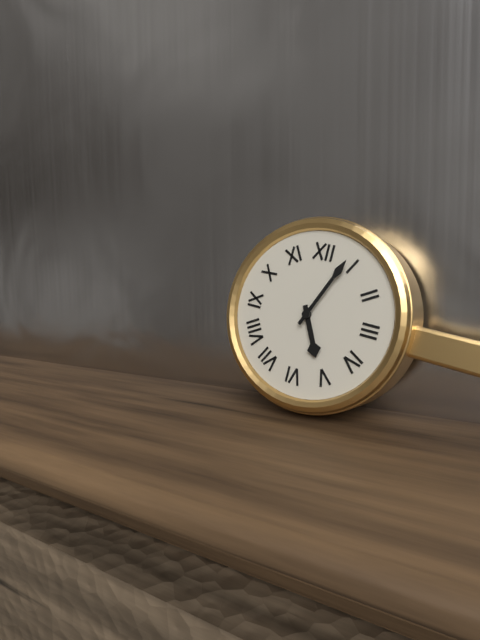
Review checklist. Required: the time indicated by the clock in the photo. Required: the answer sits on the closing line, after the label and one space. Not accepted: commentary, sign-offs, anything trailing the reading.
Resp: 5:04
